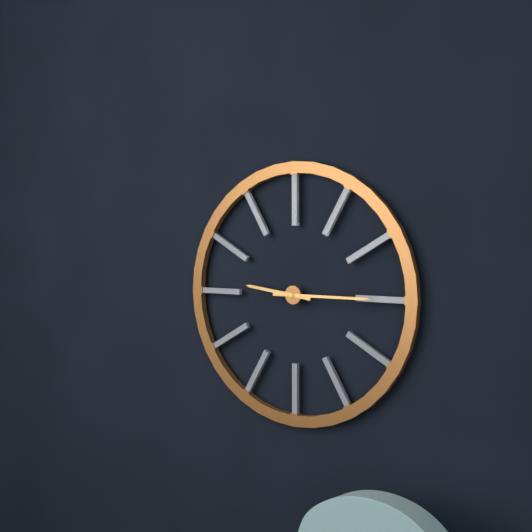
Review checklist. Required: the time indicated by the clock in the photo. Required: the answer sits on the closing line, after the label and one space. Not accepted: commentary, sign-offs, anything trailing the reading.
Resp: 9:15
